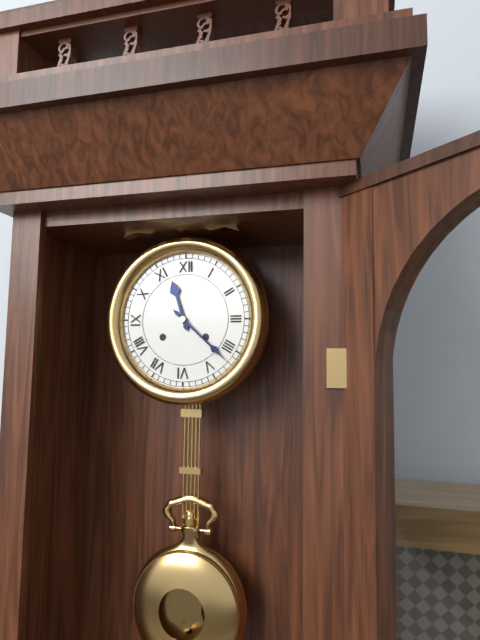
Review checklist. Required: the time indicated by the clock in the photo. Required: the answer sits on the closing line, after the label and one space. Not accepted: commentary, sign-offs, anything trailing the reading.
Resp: 11:22
